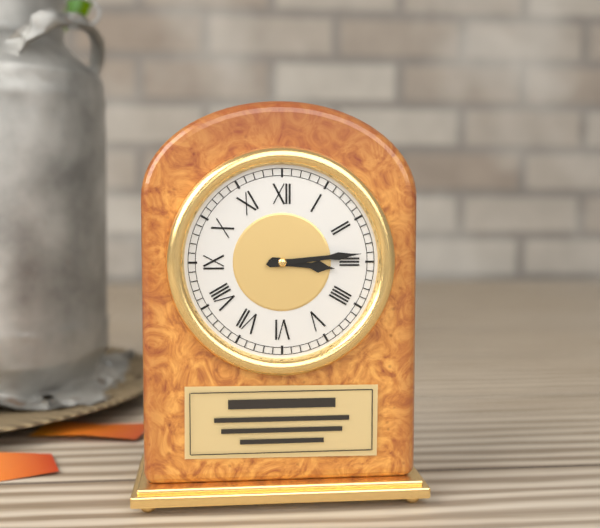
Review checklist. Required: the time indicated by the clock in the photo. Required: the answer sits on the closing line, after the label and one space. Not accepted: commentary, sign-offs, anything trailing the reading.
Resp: 3:14
